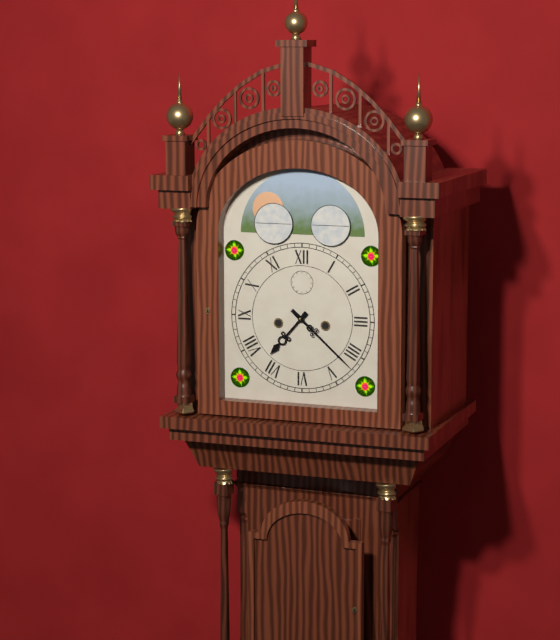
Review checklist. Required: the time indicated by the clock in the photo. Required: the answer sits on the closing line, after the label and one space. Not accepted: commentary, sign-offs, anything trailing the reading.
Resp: 7:22
